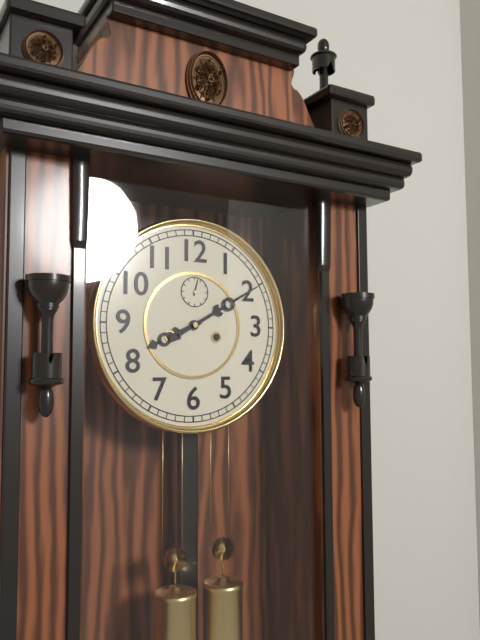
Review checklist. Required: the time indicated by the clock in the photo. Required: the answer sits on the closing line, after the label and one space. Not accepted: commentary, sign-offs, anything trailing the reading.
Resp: 8:10
